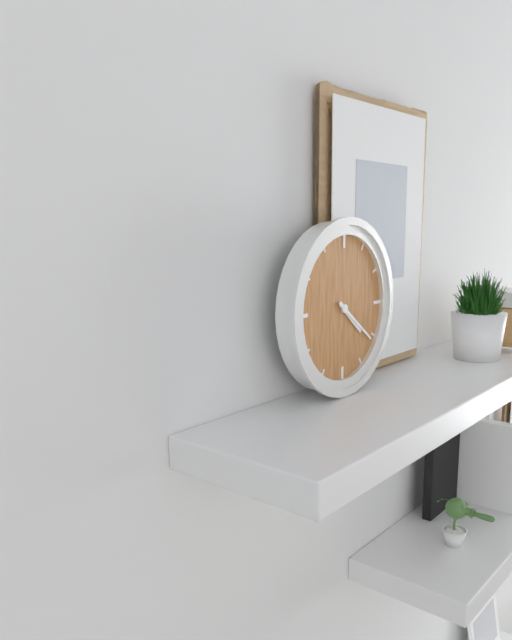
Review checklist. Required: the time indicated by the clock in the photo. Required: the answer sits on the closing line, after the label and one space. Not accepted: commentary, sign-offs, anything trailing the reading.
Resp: 4:21
